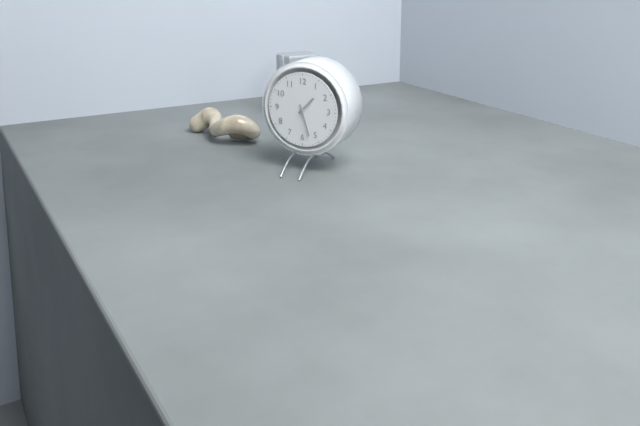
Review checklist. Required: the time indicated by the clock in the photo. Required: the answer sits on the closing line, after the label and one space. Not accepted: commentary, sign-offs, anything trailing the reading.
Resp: 1:27
